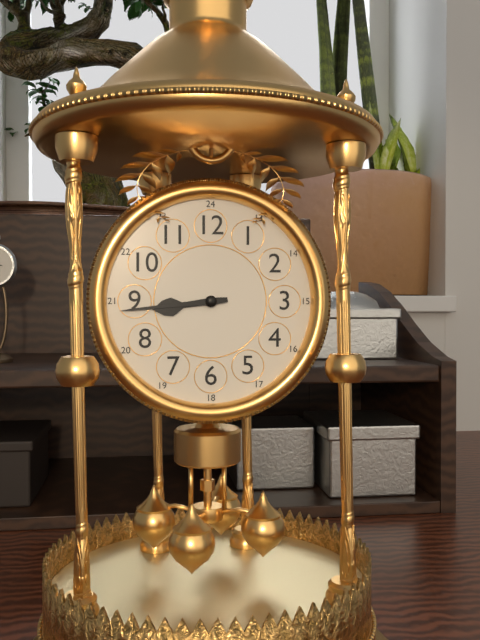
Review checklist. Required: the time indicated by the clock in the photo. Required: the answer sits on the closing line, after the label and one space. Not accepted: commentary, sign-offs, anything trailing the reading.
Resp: 8:44
